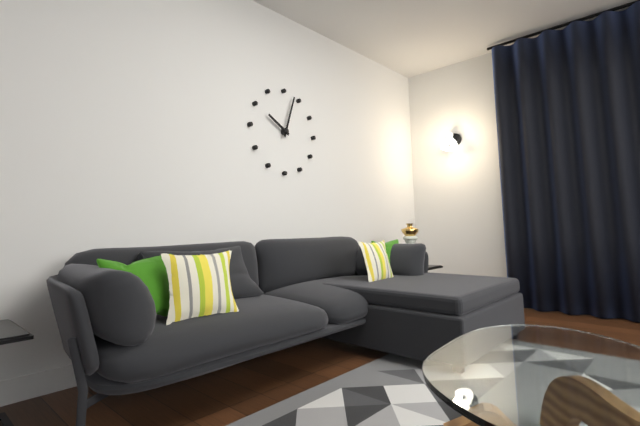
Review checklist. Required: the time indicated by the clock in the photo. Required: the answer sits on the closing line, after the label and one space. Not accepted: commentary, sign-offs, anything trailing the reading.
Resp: 10:03
